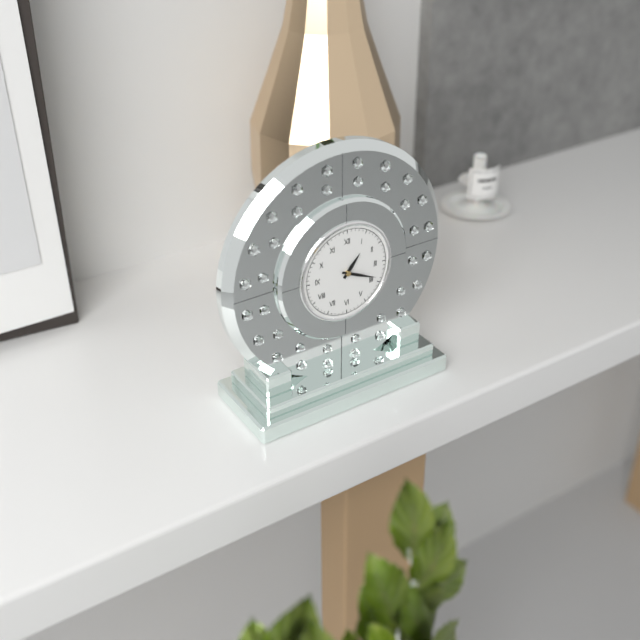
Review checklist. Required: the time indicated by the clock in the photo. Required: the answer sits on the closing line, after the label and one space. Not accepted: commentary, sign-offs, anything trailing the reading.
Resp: 1:19
